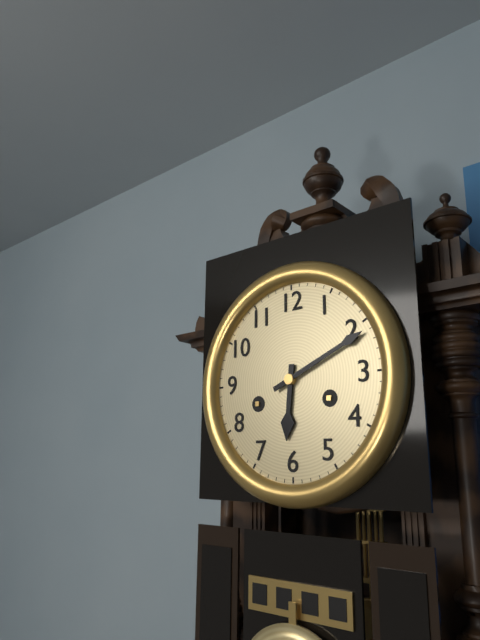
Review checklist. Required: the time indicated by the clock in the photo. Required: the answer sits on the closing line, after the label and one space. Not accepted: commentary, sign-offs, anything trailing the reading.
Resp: 6:11
